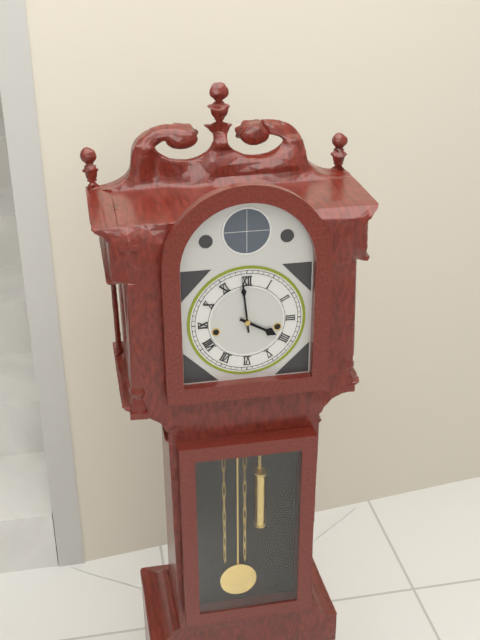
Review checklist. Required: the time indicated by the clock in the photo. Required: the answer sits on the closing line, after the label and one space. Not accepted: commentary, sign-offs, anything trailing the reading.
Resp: 3:59
